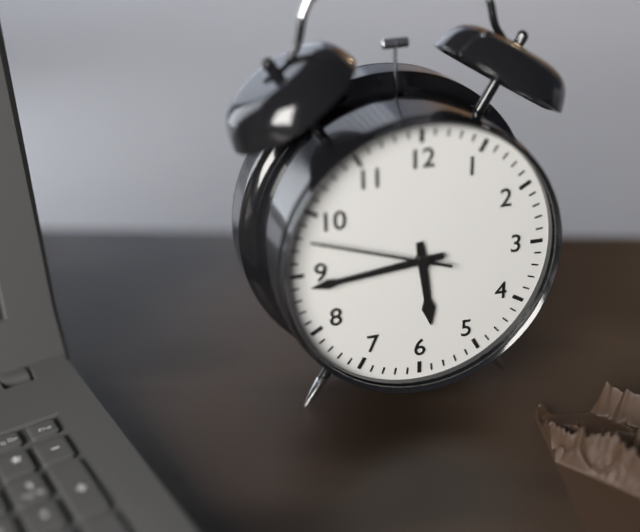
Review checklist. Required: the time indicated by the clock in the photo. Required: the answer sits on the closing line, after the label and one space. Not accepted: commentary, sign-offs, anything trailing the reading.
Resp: 5:44:48
